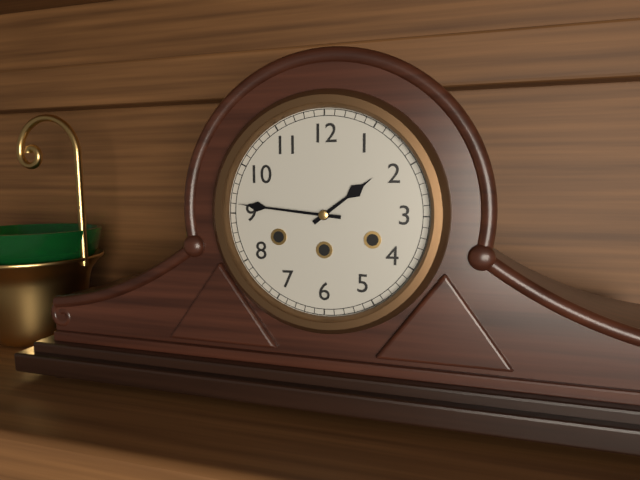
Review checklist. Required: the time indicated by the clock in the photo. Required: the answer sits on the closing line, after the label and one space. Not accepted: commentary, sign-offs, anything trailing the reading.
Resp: 1:46
